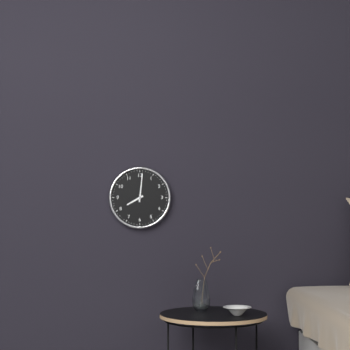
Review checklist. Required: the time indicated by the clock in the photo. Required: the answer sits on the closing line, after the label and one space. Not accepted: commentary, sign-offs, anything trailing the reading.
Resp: 8:01
